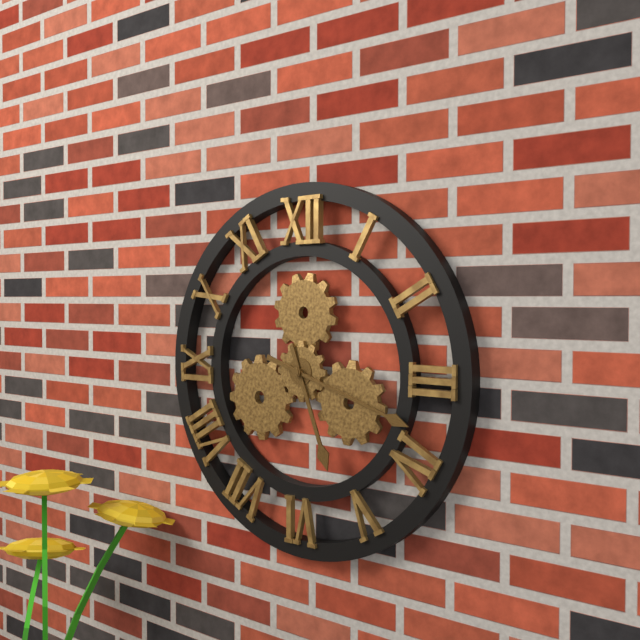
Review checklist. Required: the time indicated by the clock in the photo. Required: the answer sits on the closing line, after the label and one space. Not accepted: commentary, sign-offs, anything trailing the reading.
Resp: 5:18
